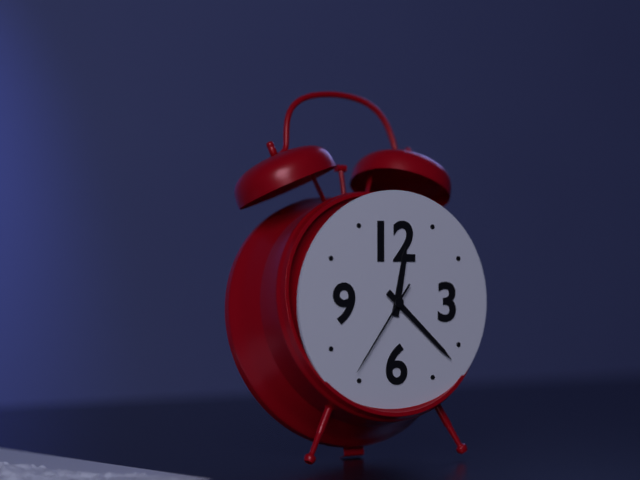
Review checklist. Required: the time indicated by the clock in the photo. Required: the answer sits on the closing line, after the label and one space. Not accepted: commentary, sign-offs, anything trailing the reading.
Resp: 12:22:36
